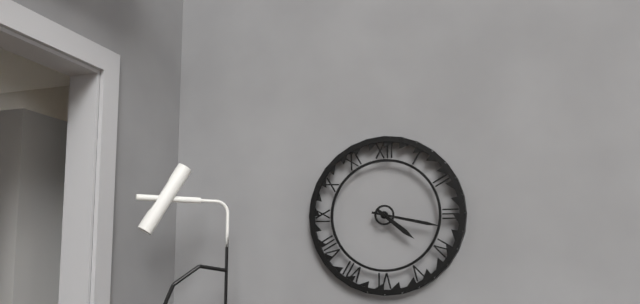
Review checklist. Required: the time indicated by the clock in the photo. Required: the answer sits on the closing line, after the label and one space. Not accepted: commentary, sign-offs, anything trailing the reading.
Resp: 4:17
